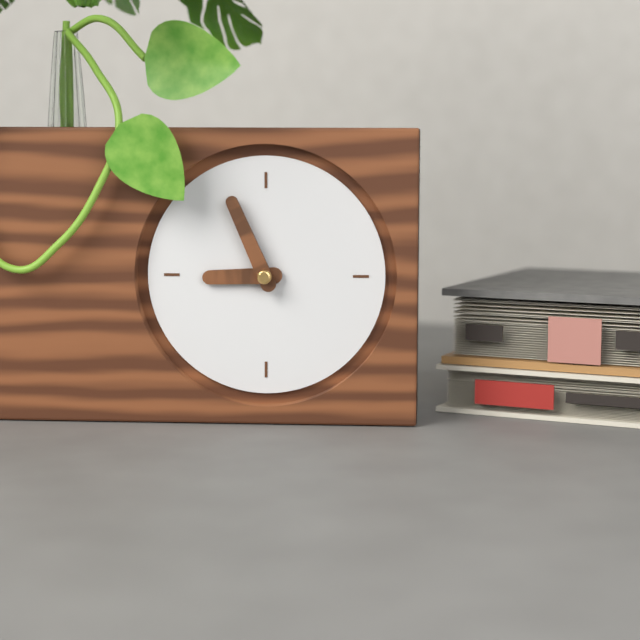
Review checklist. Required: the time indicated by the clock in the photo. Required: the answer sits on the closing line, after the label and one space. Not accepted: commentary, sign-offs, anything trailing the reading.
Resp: 8:56
